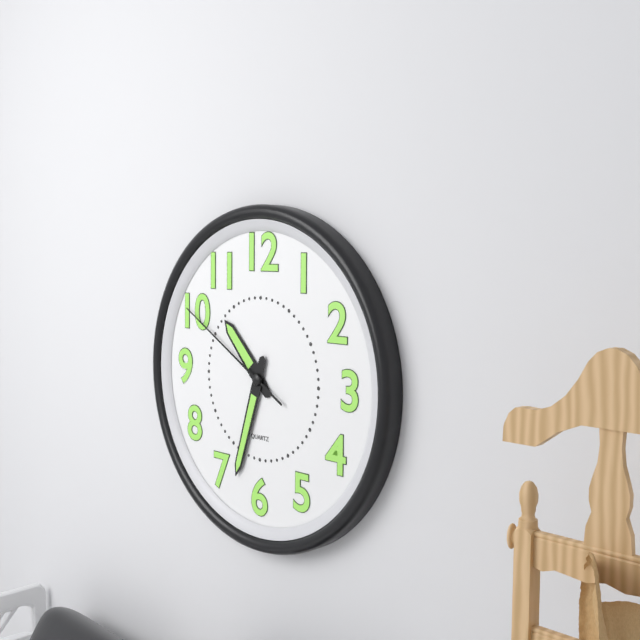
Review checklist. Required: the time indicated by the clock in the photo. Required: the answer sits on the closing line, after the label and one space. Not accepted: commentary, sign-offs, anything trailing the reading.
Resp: 10:33:50
